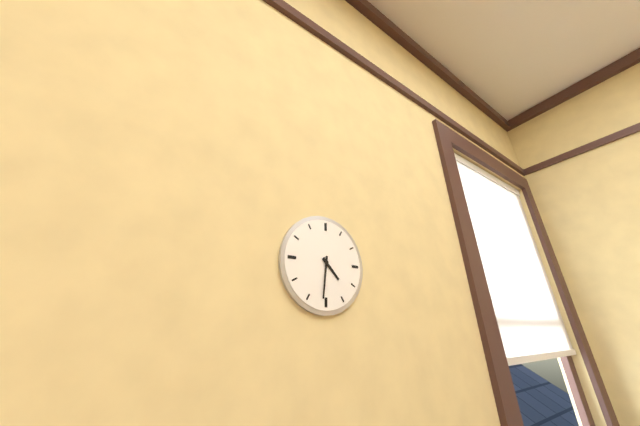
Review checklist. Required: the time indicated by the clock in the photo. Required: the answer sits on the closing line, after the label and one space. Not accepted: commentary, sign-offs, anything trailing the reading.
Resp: 4:31
